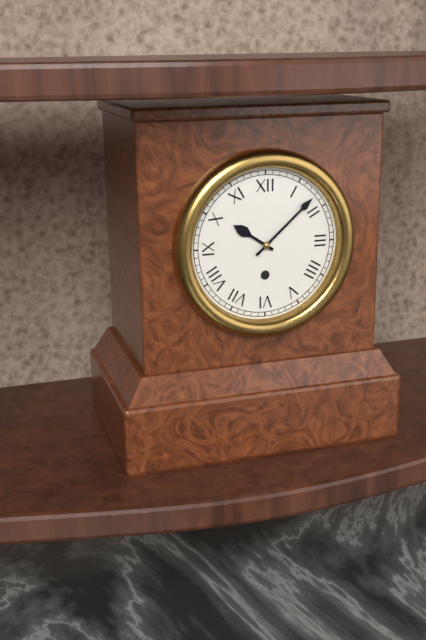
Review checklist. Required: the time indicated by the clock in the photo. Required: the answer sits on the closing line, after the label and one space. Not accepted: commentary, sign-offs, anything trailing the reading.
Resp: 10:08
